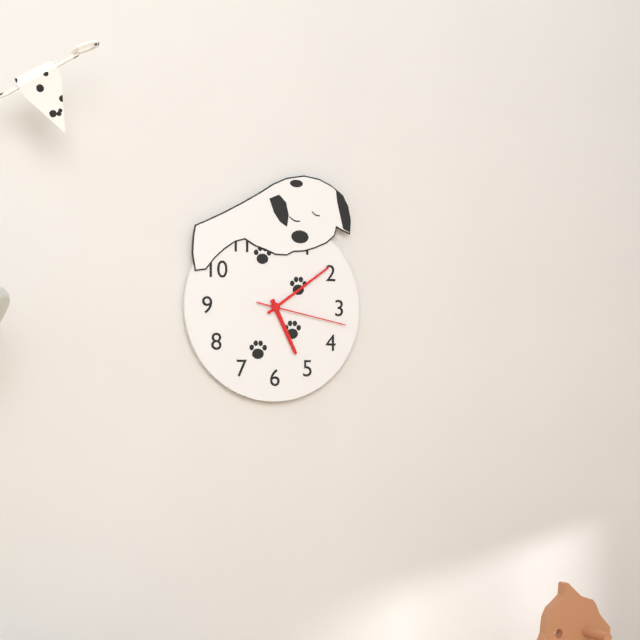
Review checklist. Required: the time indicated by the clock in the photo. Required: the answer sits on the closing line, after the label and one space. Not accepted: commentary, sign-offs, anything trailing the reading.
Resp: 5:09:17
